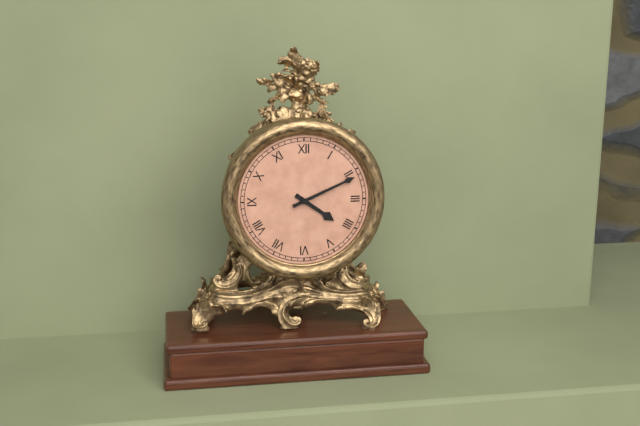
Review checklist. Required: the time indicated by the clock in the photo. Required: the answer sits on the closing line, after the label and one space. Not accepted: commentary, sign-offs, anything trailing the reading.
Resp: 4:11
